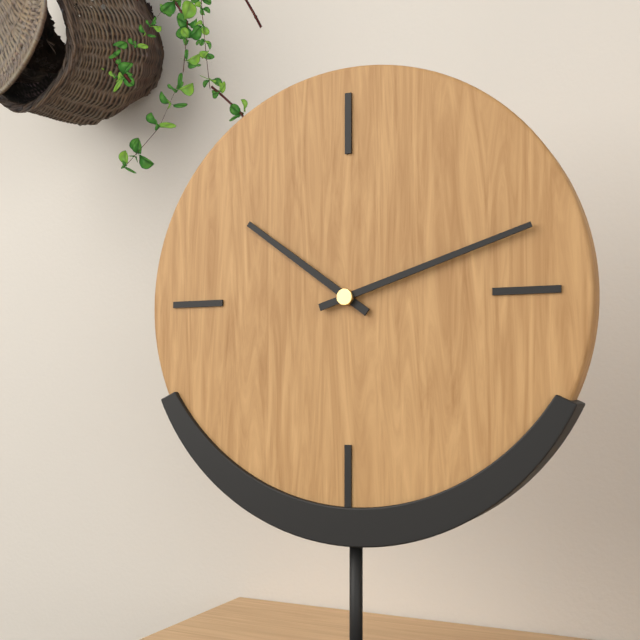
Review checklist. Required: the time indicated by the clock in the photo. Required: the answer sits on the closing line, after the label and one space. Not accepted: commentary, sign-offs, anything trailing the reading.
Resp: 10:12
